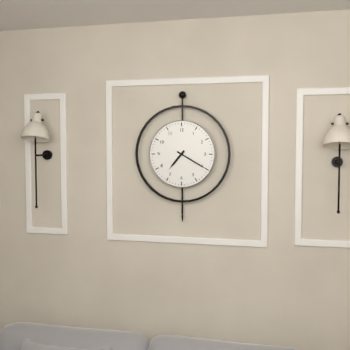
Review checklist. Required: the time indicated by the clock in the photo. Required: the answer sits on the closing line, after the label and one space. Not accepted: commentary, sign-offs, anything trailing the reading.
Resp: 7:20
